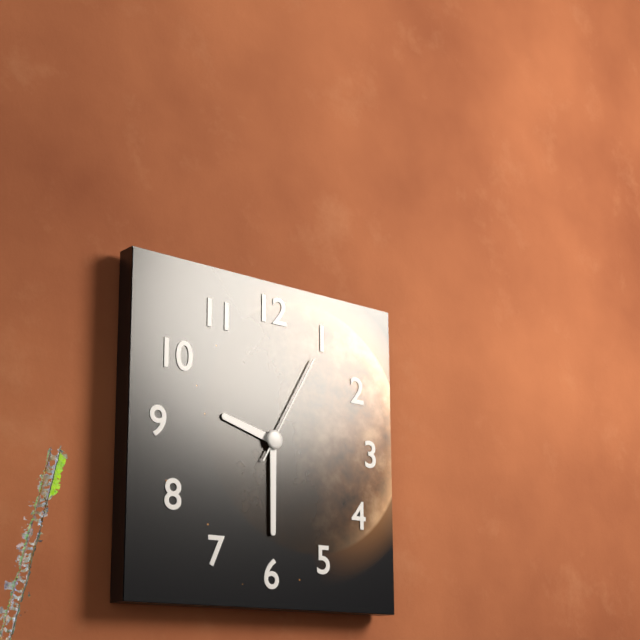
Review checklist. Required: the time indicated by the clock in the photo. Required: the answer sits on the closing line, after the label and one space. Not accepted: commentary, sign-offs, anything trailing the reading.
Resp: 9:30:05
